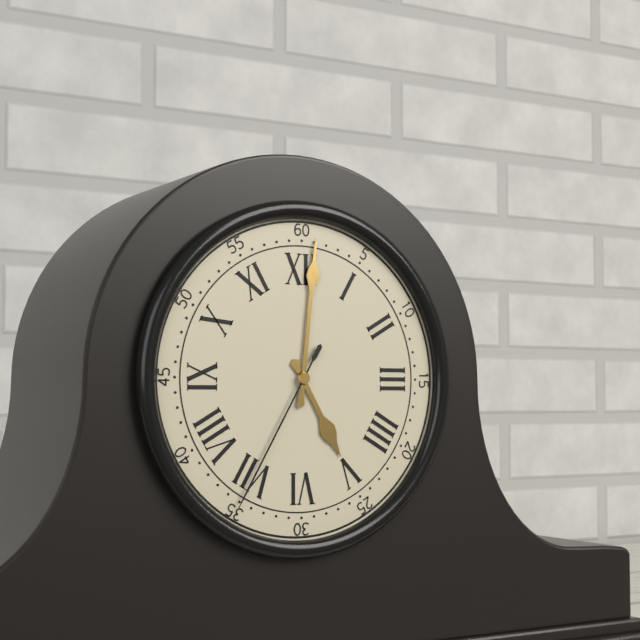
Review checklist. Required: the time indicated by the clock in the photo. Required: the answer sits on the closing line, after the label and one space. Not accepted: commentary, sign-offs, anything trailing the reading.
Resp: 5:01:35
